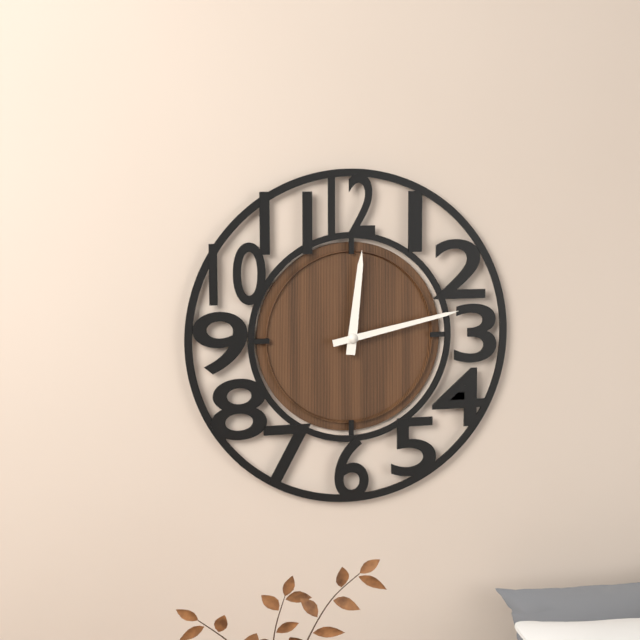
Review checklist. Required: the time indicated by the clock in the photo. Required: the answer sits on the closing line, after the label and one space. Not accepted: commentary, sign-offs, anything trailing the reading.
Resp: 12:13
